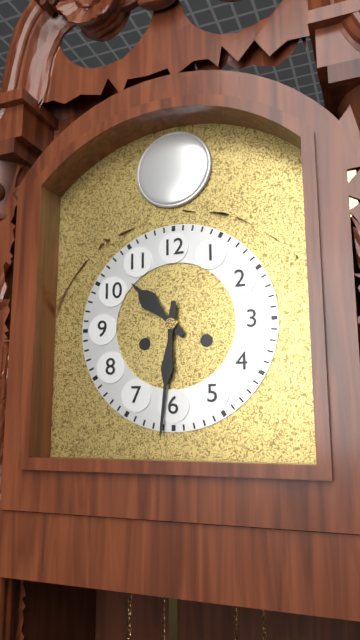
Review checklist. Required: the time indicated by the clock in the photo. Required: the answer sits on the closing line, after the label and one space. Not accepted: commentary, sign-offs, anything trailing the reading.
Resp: 10:31
